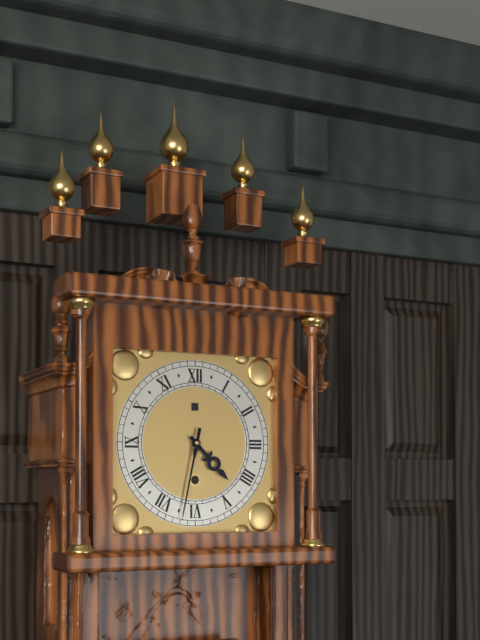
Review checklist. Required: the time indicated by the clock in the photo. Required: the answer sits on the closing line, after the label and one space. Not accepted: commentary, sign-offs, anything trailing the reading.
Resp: 4:32
